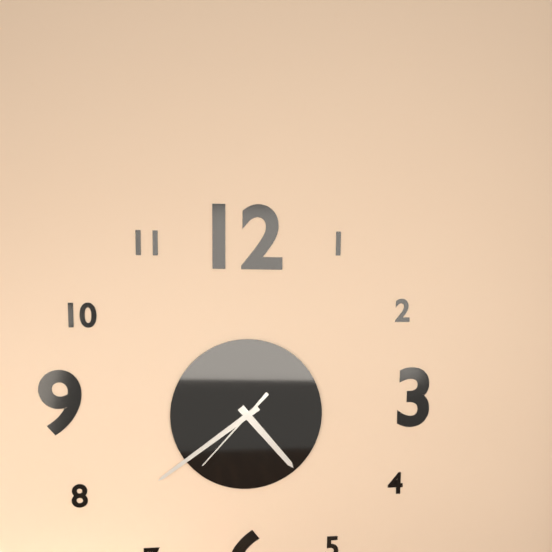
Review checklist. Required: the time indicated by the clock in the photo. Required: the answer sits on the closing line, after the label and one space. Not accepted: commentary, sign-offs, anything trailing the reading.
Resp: 4:39:37
